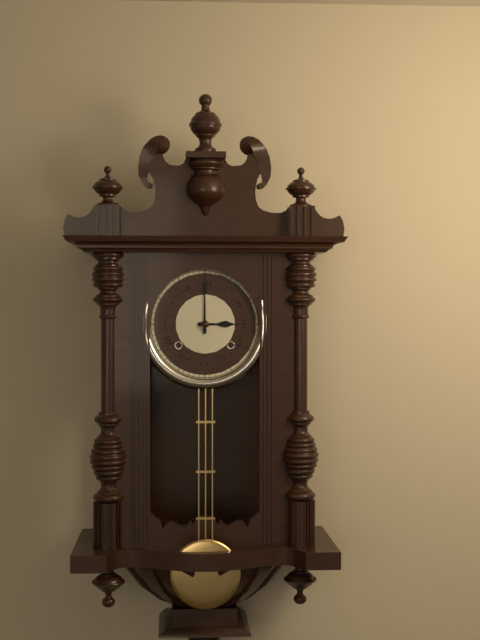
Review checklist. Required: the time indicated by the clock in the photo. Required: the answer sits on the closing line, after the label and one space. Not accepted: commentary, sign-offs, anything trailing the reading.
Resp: 3:00
